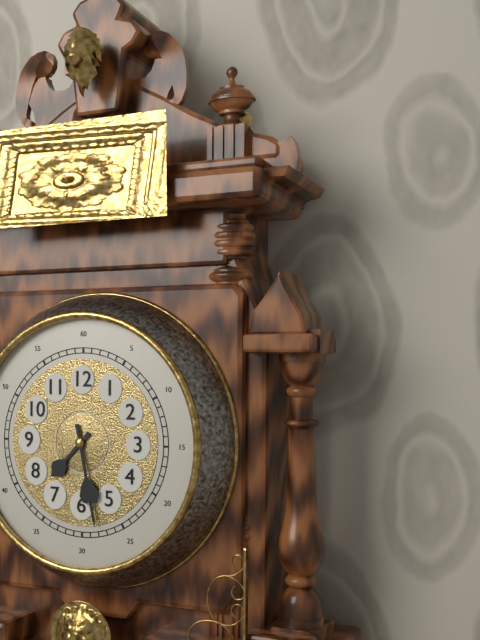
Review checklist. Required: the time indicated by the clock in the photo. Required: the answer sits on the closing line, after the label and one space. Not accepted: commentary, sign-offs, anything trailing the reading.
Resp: 7:28
